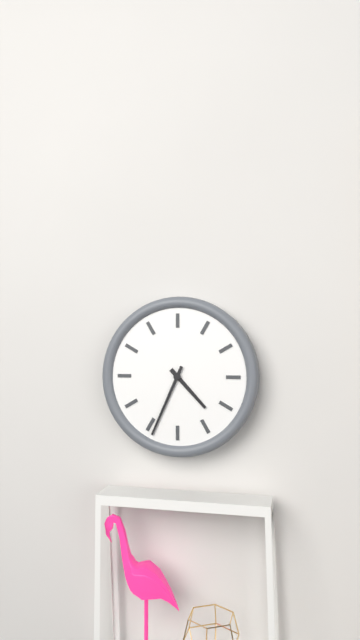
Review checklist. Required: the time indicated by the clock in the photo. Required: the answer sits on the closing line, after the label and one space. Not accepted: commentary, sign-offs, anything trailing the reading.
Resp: 4:34
